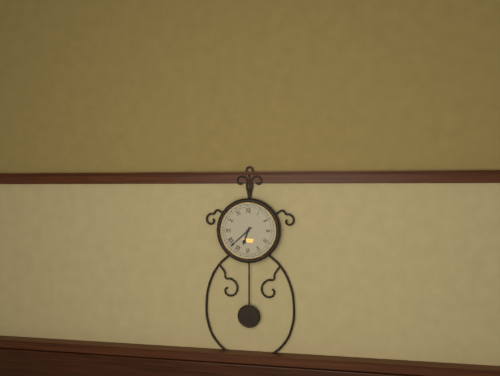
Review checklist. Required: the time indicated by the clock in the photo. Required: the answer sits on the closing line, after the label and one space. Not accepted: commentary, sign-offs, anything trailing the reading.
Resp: 6:38
